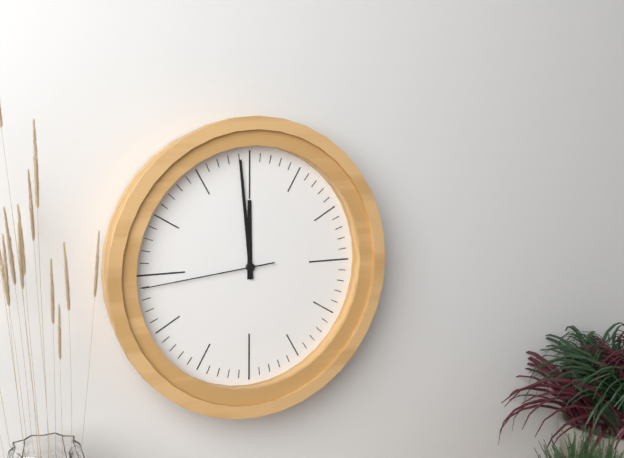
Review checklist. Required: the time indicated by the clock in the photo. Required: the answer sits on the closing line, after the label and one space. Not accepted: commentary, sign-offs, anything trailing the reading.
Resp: 11:59:44
